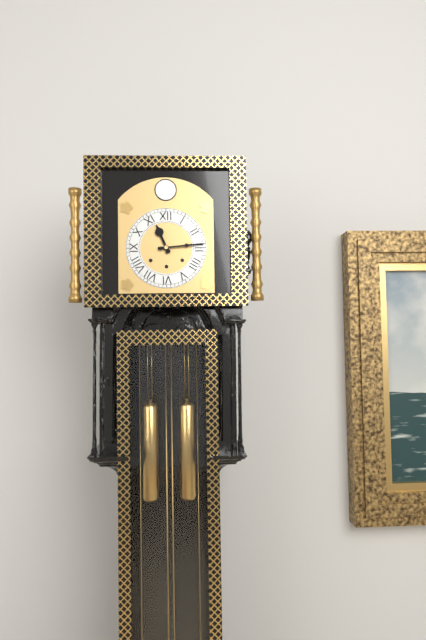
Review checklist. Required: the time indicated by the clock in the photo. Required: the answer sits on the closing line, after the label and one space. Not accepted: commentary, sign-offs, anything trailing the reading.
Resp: 11:14
